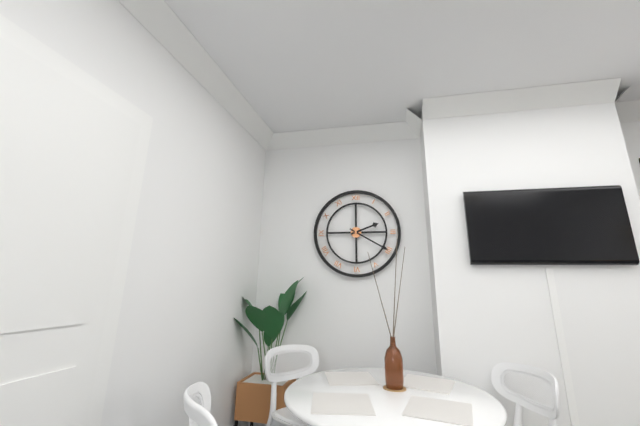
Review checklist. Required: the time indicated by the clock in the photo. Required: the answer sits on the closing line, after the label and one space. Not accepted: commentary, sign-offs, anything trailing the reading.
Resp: 2:20
